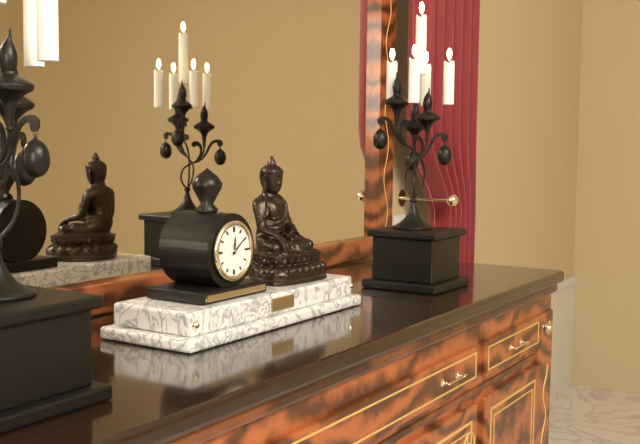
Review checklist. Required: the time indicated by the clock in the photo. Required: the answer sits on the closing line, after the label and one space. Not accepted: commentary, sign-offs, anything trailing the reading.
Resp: 12:09
